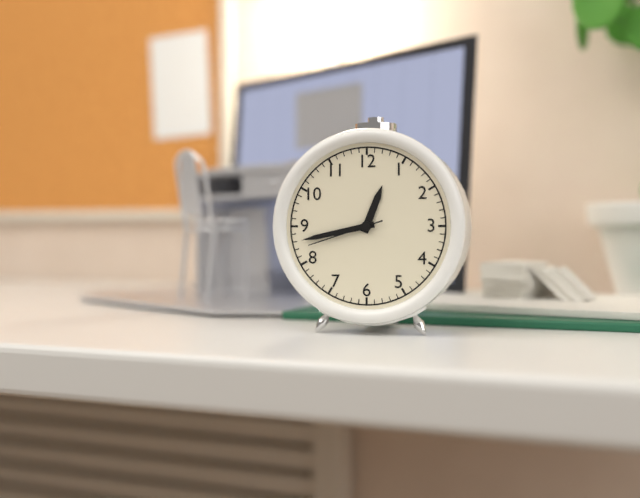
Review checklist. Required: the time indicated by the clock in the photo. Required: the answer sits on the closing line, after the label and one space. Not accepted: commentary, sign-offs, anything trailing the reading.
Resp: 12:43:42
